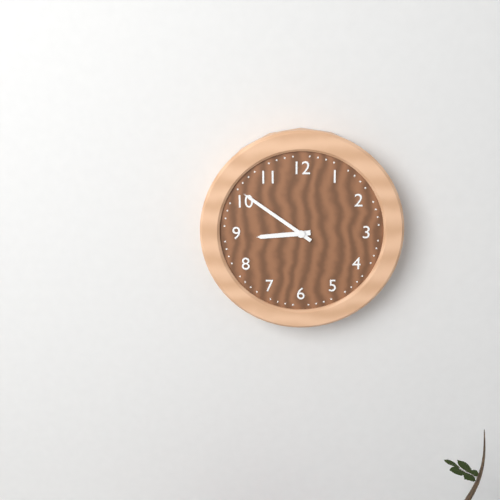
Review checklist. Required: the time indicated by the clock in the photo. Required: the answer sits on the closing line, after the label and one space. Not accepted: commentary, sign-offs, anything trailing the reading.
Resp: 8:51
